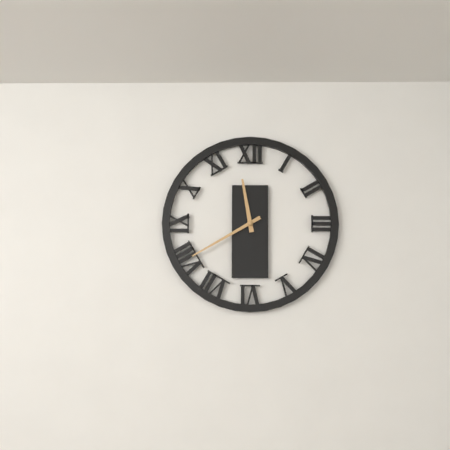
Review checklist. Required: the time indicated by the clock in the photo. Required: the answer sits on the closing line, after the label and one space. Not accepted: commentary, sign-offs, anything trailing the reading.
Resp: 11:40
